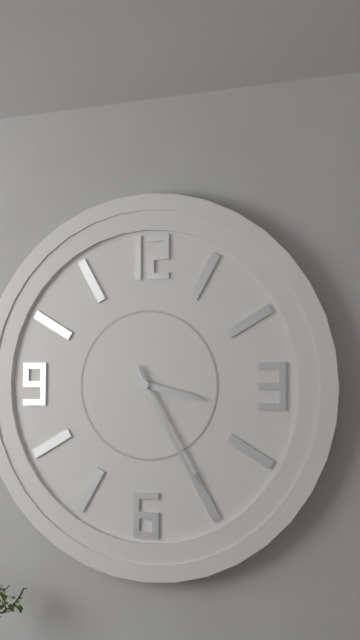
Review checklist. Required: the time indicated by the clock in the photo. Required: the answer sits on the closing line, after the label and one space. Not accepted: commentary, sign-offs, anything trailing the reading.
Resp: 3:25
